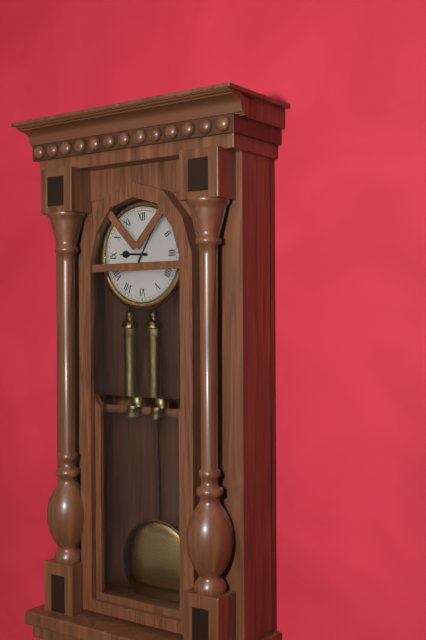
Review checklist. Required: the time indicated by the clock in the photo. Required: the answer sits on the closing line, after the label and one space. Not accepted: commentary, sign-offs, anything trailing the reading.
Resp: 9:05
